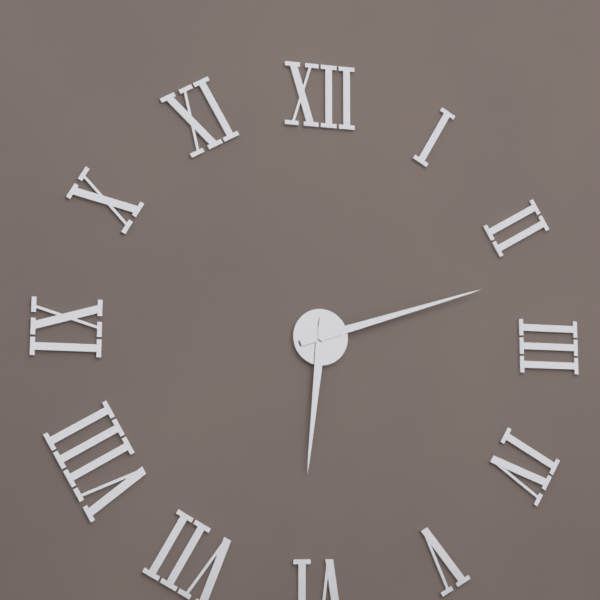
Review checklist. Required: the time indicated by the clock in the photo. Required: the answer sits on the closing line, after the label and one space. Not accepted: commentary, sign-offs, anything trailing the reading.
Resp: 6:12
